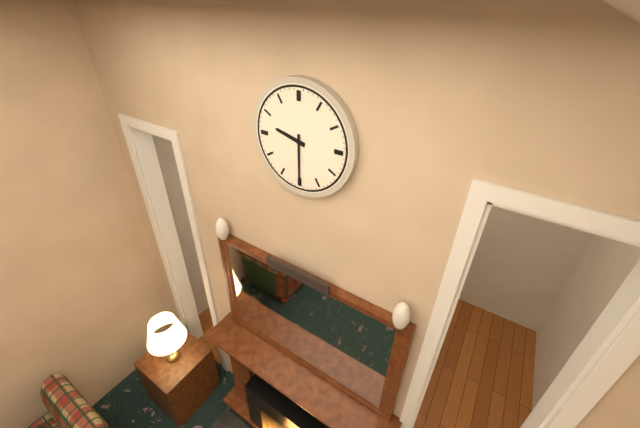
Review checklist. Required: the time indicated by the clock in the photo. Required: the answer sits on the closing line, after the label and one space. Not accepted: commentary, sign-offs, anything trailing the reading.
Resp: 9:30
